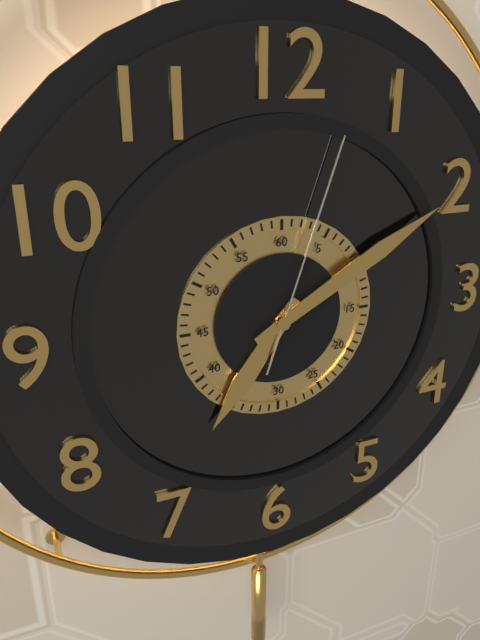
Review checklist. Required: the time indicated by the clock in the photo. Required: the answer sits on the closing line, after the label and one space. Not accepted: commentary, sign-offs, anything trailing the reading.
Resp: 7:10:03
